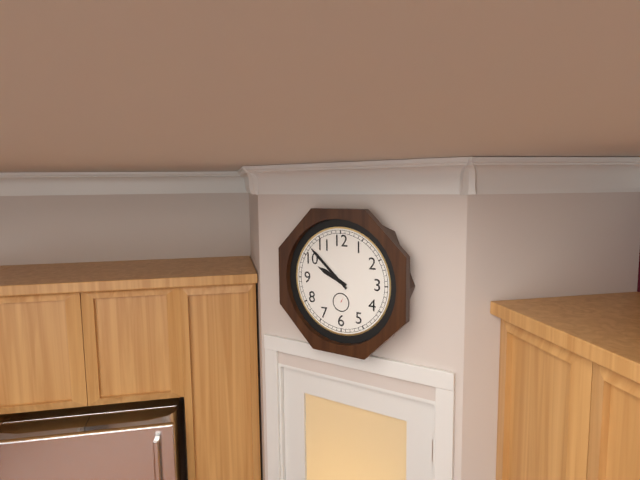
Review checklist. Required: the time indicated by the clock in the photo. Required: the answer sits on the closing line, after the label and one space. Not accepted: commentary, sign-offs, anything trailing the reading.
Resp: 9:52
